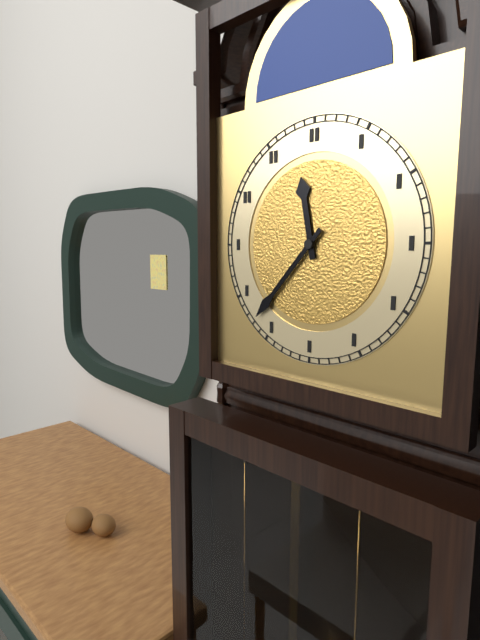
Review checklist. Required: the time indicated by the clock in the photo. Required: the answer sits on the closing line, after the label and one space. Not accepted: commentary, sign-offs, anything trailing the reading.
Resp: 11:37
